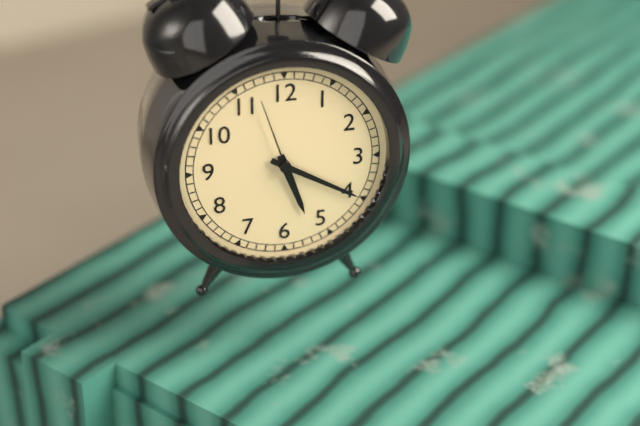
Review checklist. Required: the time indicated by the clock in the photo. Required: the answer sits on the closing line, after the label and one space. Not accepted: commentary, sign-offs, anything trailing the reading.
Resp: 5:20:57
